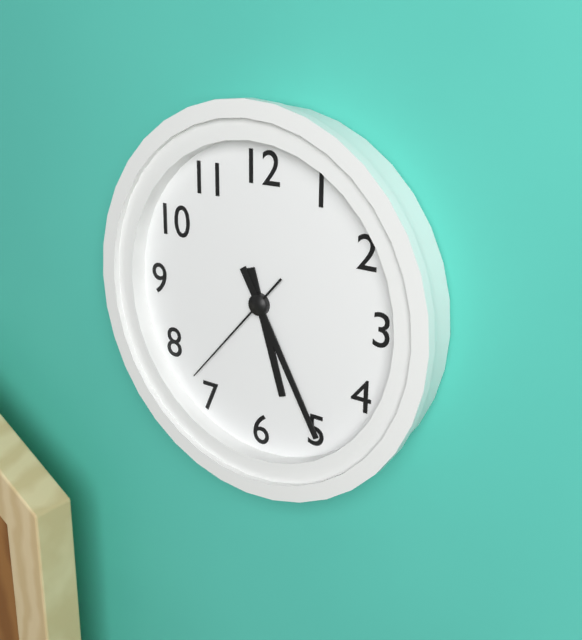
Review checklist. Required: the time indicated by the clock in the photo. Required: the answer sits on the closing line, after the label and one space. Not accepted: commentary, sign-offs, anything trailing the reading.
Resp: 5:25:37
